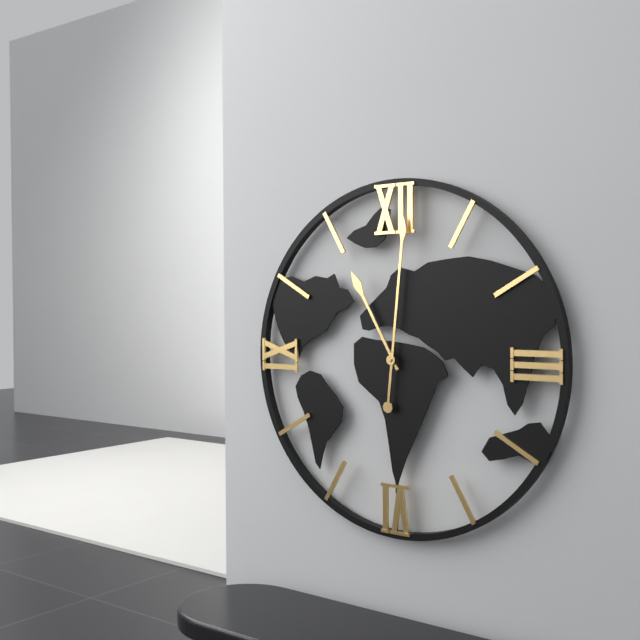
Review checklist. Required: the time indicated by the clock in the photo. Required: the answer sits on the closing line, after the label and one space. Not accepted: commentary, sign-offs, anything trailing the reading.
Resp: 11:01
